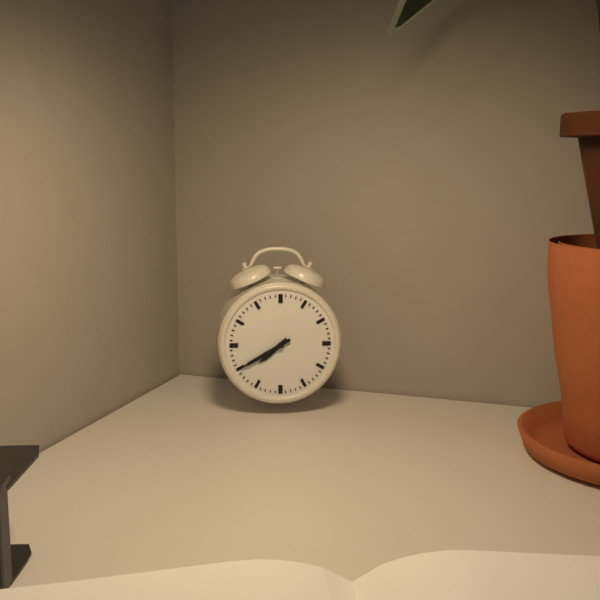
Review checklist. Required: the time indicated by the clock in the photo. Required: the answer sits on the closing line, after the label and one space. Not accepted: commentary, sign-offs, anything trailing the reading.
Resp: 7:40
